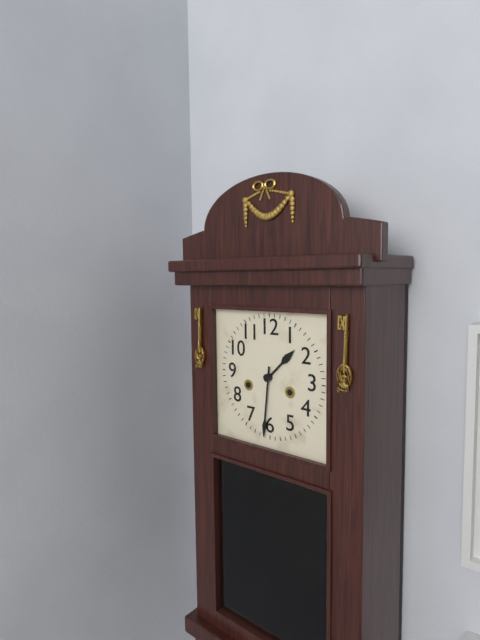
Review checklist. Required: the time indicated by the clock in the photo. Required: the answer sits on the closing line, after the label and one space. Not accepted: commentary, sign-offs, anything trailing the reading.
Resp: 1:31
